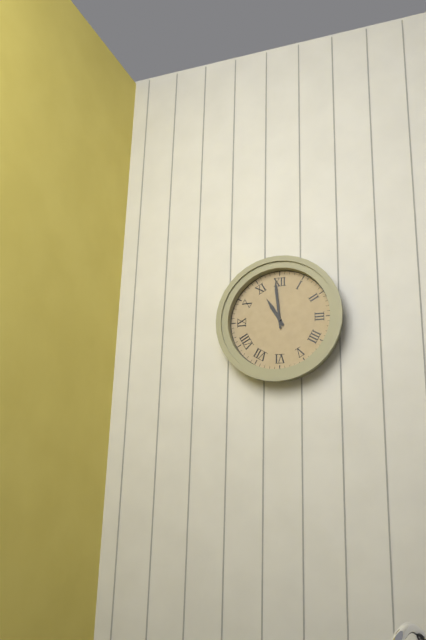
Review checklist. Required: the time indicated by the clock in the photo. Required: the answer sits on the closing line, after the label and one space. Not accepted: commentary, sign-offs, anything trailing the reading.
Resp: 10:59
